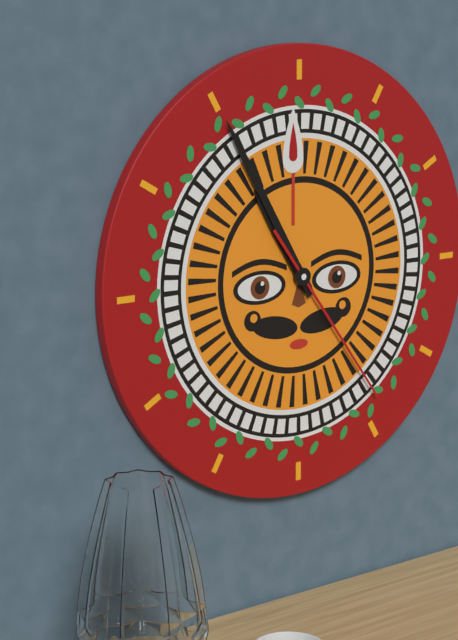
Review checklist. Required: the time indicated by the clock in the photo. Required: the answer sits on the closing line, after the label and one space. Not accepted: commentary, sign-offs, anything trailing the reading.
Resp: 10:55:24
